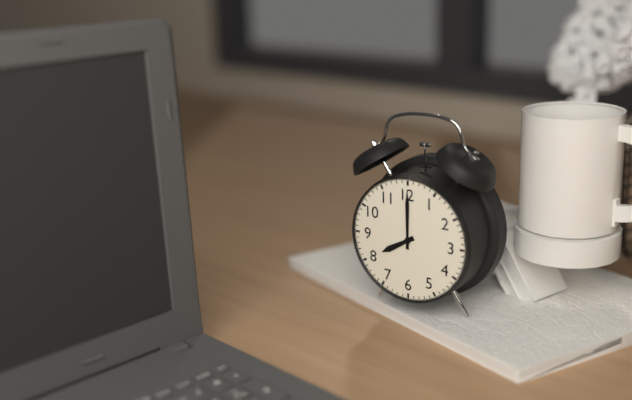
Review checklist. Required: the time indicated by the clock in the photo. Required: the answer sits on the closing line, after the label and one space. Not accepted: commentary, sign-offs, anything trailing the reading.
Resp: 8:00
